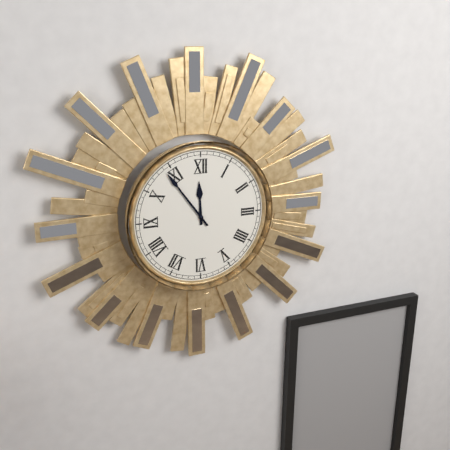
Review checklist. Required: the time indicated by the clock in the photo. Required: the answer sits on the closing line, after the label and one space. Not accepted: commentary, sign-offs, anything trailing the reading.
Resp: 11:54
